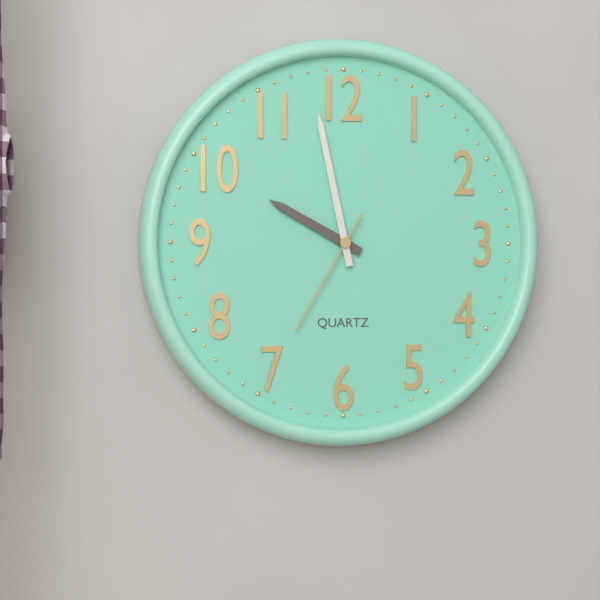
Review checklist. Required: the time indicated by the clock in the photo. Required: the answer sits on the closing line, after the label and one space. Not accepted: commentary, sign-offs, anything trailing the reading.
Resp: 9:58:35
